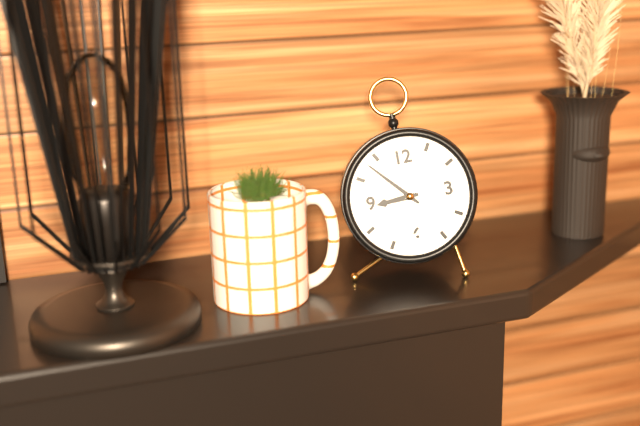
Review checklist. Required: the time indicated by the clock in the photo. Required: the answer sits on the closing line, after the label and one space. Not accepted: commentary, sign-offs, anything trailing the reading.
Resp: 8:53
